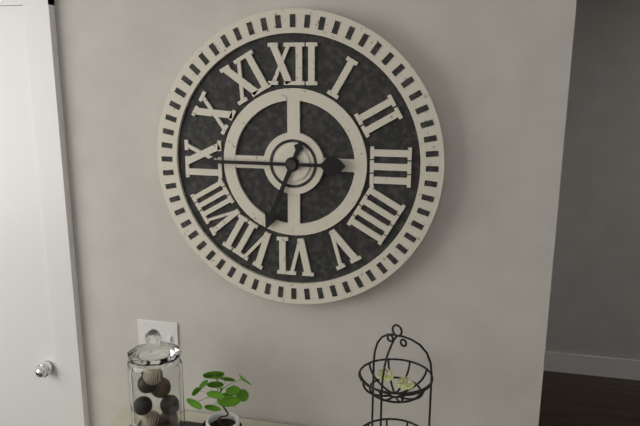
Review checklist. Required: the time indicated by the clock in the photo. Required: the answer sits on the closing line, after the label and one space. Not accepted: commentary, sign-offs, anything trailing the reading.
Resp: 6:45
